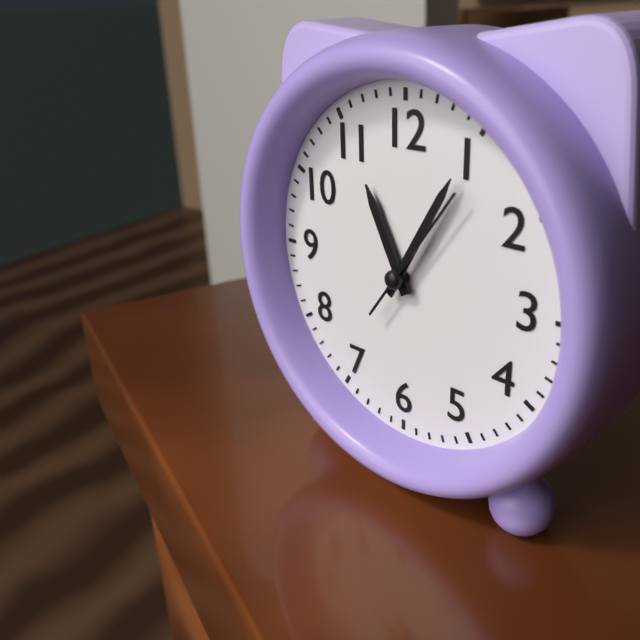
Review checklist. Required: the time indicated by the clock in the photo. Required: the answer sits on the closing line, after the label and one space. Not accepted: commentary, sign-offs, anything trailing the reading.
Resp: 11:05:06
